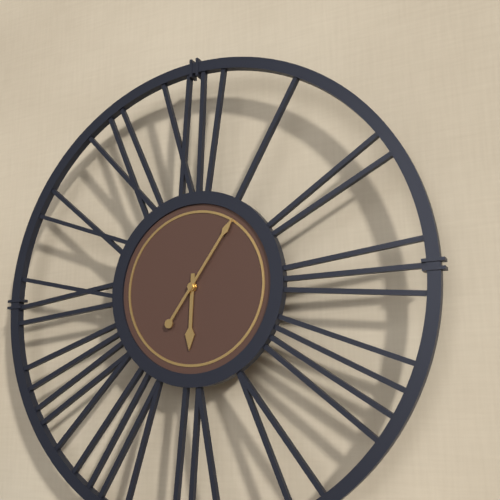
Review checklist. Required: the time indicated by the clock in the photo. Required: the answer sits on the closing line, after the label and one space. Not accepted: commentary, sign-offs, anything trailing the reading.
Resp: 6:06
